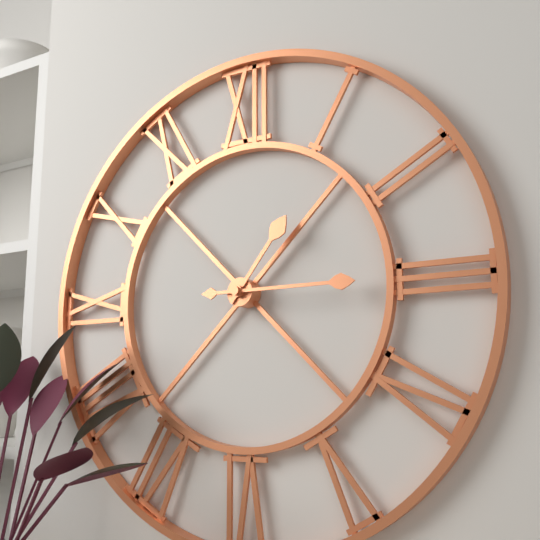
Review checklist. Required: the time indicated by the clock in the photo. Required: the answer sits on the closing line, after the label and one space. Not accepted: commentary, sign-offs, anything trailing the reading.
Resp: 1:15
